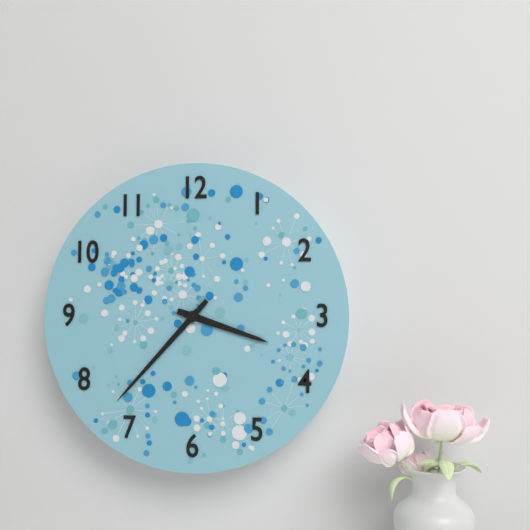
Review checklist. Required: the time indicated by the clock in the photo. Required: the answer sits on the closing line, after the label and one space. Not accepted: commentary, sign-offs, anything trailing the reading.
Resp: 3:37
